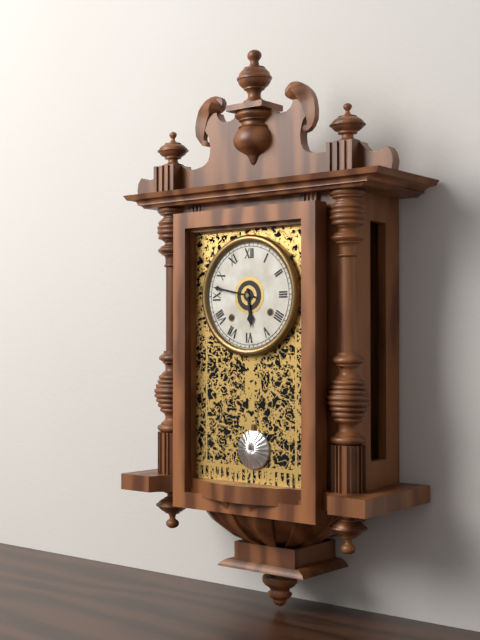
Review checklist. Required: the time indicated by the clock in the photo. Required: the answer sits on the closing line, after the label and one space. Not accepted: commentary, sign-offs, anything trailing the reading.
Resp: 5:47
